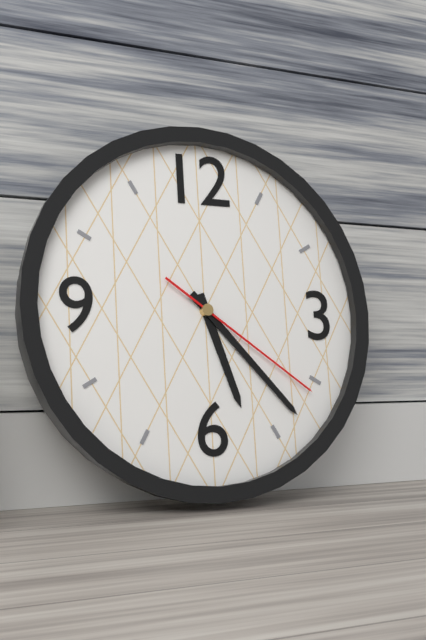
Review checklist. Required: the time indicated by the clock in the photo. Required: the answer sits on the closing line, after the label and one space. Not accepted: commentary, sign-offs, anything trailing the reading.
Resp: 5:23:21
